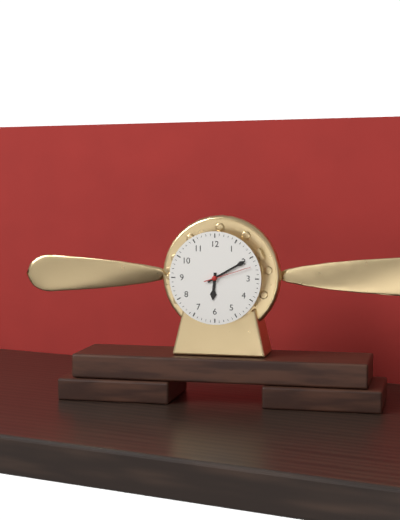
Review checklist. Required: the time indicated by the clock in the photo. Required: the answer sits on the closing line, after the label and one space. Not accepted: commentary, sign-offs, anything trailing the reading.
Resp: 6:10
